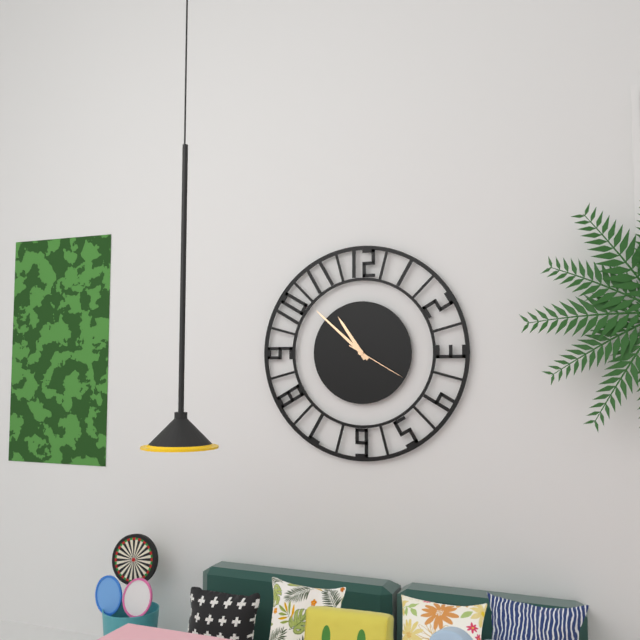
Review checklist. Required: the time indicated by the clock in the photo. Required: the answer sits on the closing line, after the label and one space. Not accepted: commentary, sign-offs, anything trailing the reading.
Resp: 10:52:20
